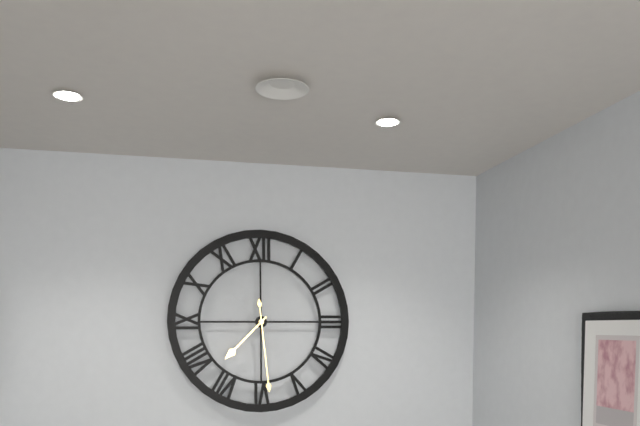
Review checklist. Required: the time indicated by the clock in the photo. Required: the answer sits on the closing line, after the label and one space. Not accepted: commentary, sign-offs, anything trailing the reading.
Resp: 7:29
